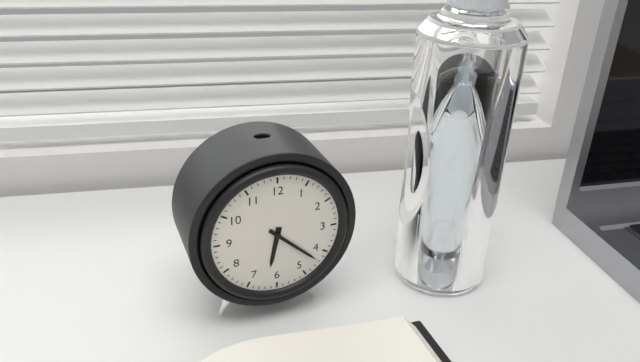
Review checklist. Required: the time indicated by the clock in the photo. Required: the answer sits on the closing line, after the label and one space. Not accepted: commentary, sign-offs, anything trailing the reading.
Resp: 6:22
